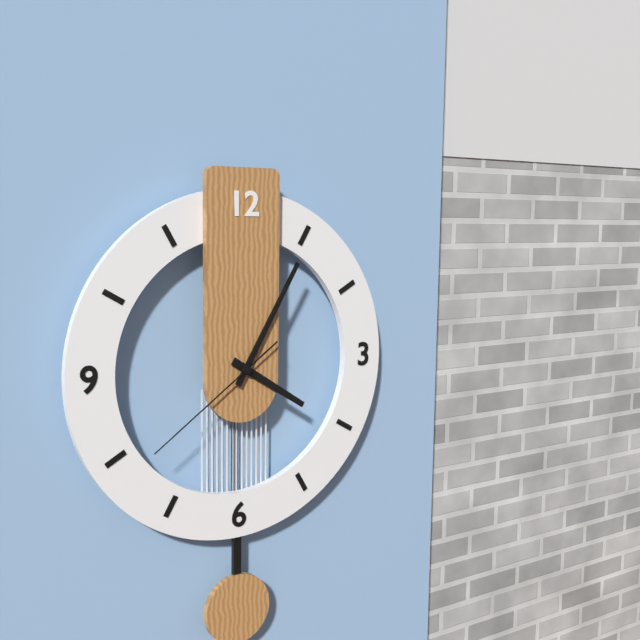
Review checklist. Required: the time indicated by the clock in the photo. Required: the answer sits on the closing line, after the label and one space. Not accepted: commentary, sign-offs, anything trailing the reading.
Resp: 4:05:39
